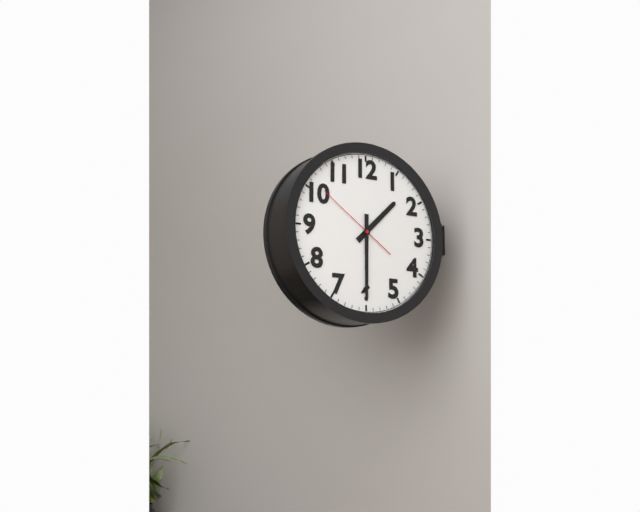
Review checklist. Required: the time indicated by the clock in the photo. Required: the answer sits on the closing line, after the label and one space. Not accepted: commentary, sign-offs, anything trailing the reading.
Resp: 1:30:51
